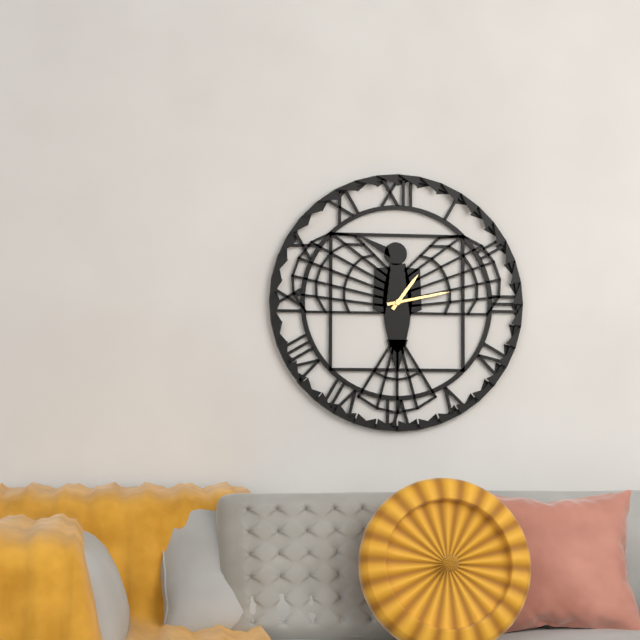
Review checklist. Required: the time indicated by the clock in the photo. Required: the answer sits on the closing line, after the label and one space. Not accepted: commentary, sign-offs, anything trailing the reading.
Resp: 1:13
